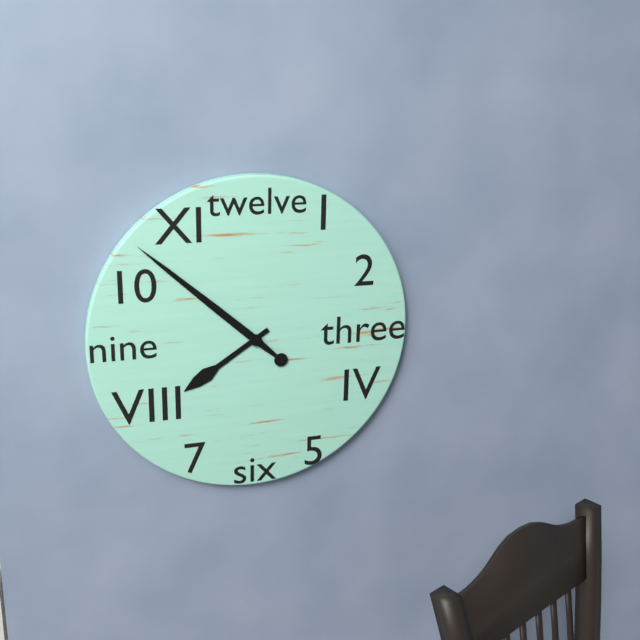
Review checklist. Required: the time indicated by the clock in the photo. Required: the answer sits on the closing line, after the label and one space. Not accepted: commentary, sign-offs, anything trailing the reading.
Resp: 7:52
